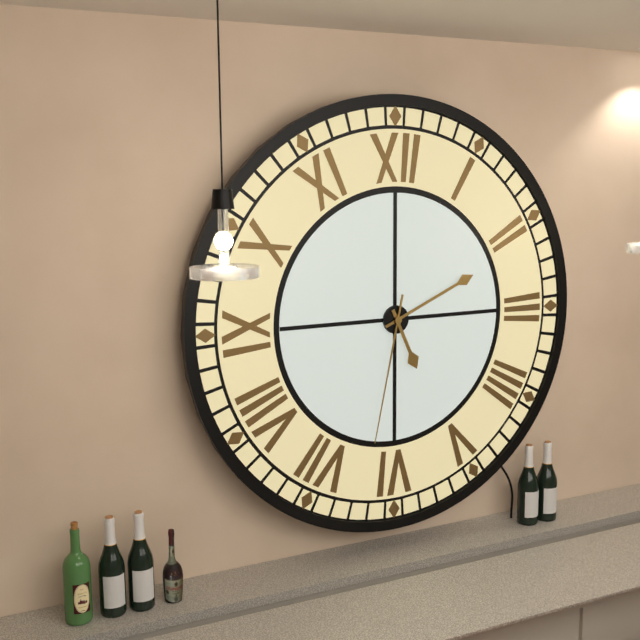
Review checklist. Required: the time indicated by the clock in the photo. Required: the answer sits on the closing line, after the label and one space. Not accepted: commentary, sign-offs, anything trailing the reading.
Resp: 5:11:32
